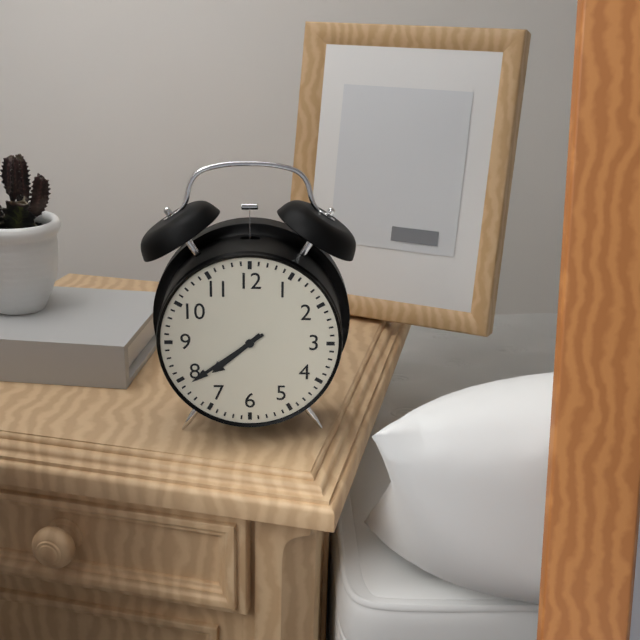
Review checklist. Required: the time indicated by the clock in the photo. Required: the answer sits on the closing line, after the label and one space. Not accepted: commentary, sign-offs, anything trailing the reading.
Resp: 7:39
